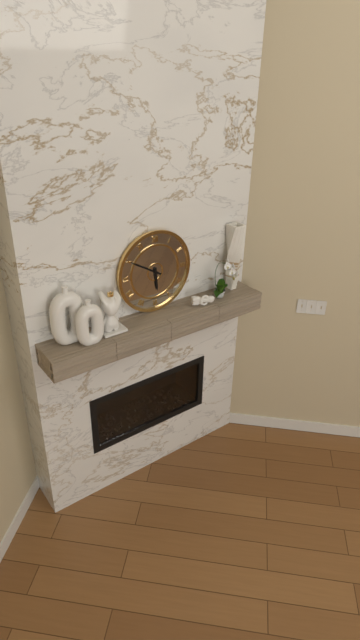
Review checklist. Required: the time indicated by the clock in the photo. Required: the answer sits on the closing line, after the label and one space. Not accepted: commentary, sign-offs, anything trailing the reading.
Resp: 5:50
